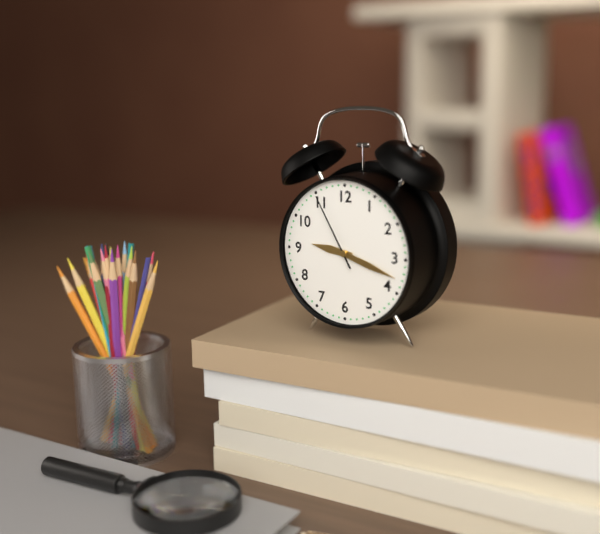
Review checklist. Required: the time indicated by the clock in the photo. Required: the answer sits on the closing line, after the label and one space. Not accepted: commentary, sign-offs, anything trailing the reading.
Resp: 9:18:55
